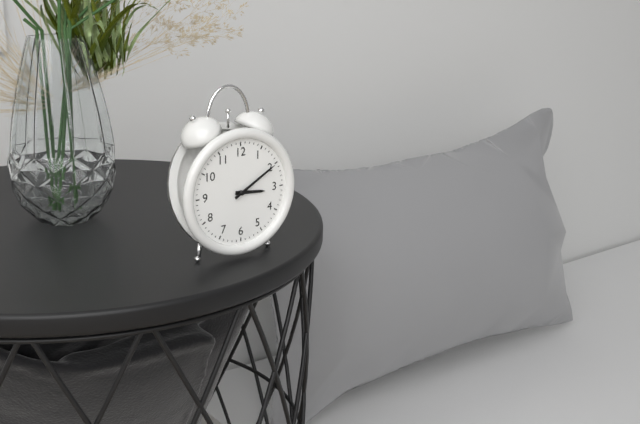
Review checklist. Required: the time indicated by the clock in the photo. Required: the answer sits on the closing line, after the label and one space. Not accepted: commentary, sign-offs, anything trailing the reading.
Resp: 3:10
